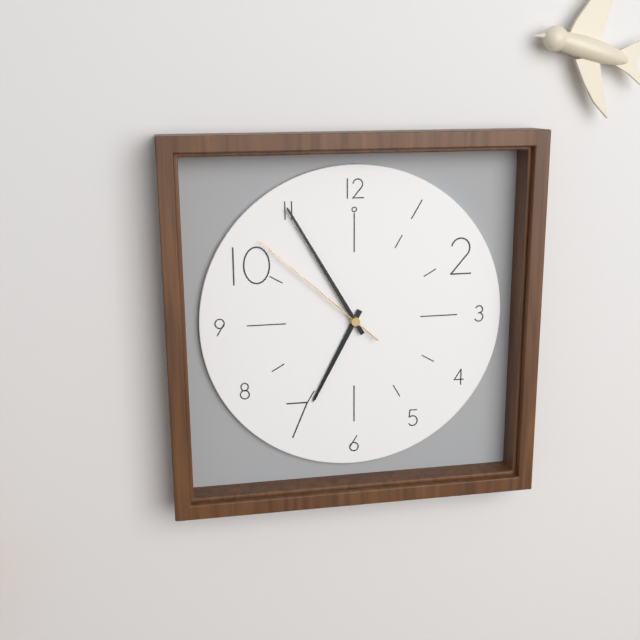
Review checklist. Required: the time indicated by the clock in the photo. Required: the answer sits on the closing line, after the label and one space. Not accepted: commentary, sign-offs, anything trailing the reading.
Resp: 6:55:52
